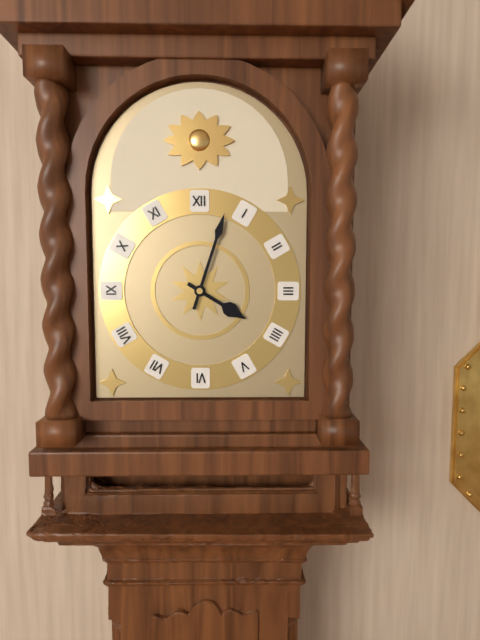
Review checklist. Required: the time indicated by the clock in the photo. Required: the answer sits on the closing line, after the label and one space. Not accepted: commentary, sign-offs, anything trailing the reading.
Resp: 4:03
